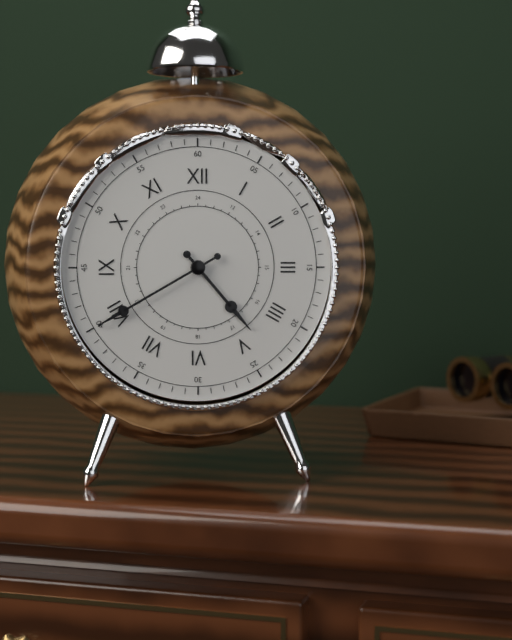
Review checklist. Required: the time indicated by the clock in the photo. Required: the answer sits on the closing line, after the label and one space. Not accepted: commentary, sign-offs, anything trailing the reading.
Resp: 4:40
